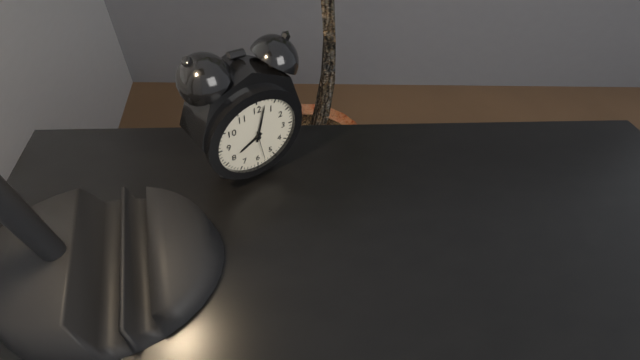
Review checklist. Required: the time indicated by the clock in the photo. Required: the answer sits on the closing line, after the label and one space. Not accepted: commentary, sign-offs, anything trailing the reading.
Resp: 8:02
